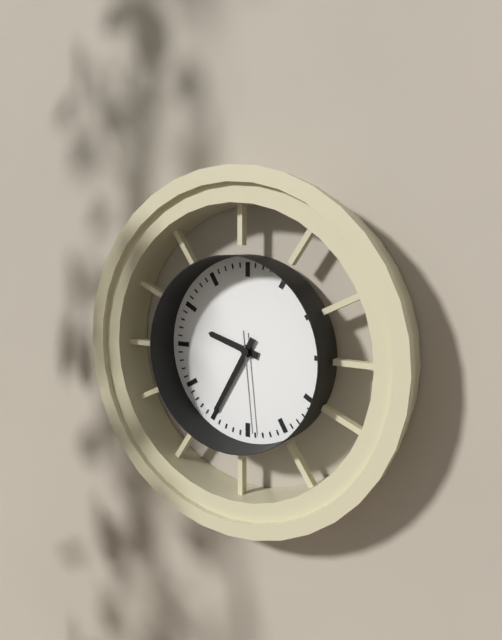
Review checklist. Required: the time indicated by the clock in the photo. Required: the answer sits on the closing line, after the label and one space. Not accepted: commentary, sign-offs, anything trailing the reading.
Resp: 9:35:29
